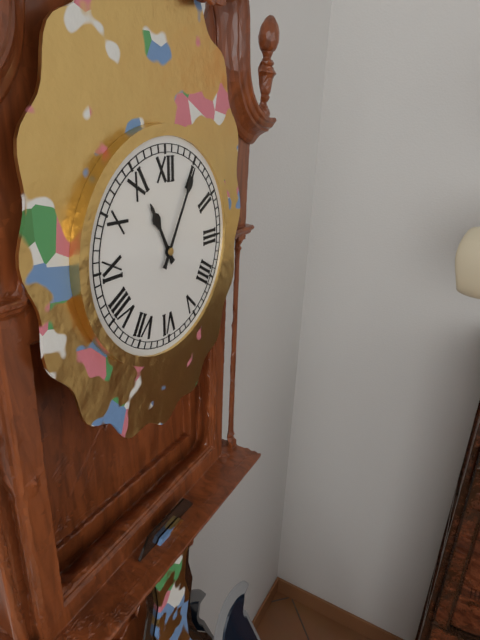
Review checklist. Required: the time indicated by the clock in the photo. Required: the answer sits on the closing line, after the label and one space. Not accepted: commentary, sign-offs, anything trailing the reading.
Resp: 11:05
